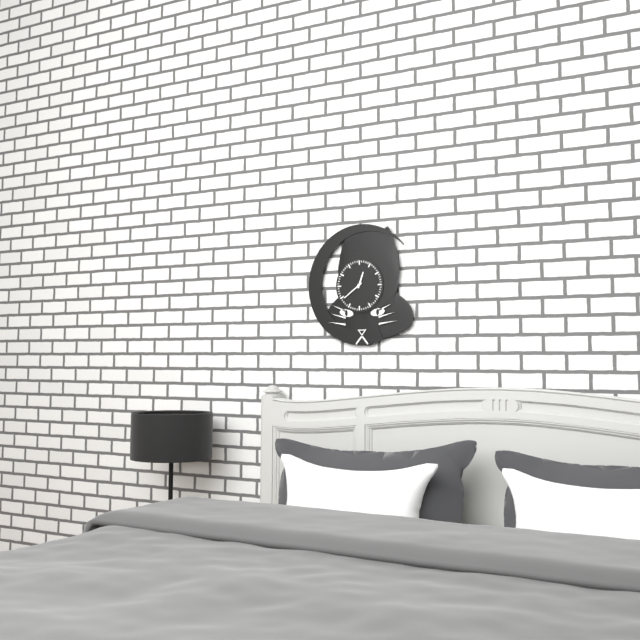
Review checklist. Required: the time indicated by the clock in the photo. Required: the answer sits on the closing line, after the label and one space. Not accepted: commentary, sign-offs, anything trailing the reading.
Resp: 12:39
